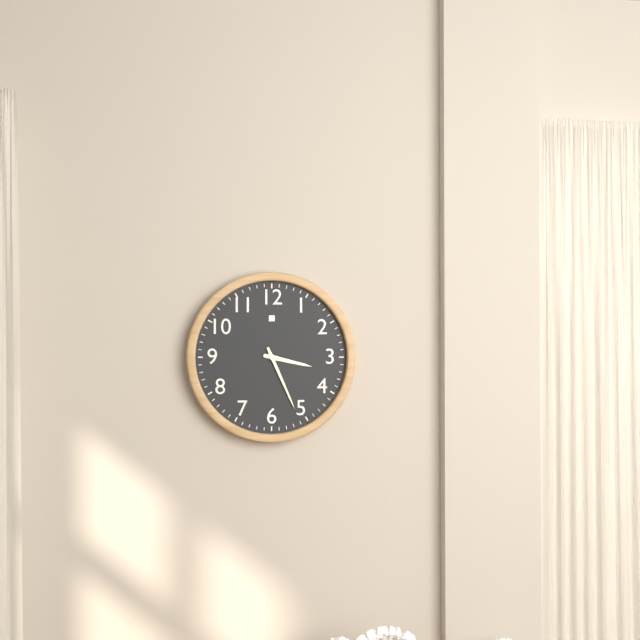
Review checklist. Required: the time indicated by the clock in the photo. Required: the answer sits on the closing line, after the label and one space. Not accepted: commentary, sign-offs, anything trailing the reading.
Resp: 3:26
